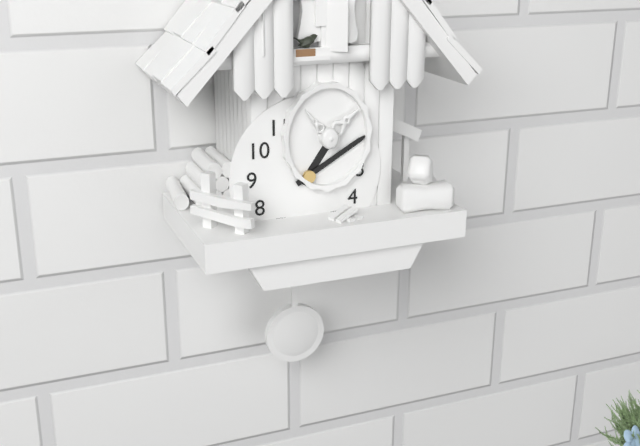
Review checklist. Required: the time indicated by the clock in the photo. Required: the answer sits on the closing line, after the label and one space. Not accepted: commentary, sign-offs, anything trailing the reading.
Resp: 1:10
